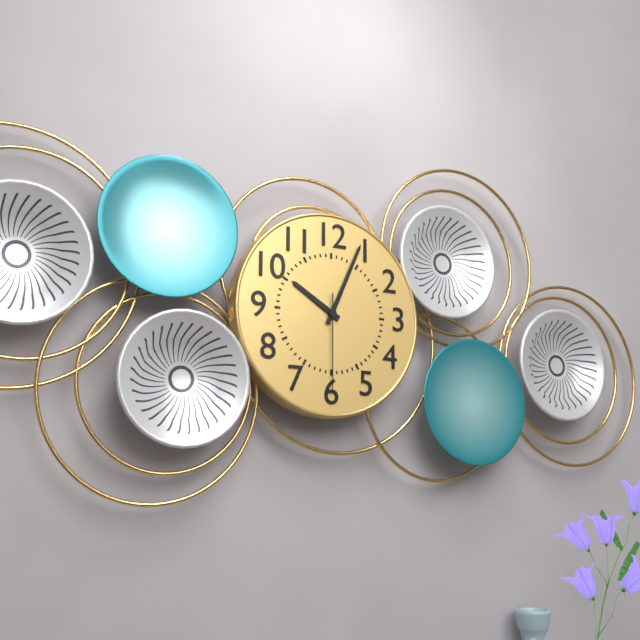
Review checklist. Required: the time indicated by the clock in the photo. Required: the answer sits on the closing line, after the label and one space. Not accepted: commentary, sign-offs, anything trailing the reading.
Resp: 10:04:30
